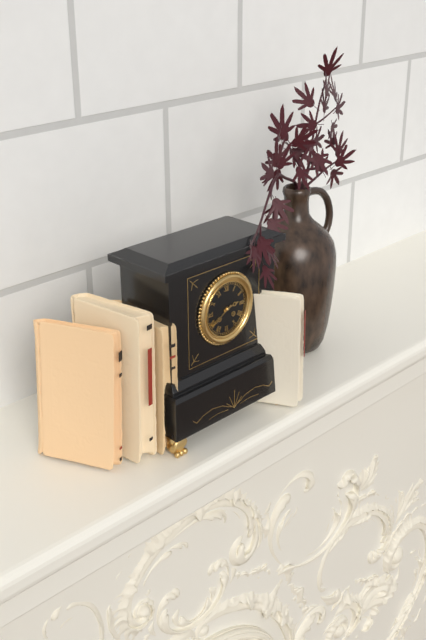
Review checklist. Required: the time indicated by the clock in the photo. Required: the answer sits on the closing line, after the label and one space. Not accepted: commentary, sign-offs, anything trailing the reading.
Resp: 2:40
